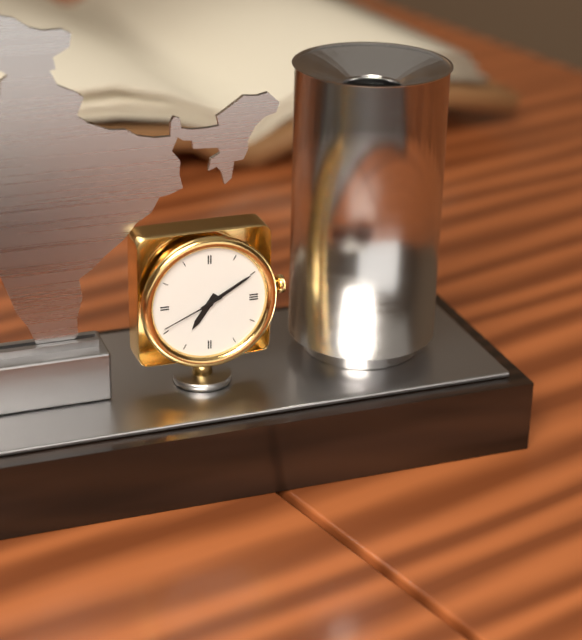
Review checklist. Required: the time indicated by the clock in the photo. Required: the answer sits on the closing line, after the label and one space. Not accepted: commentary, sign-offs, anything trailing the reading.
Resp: 7:10:41
